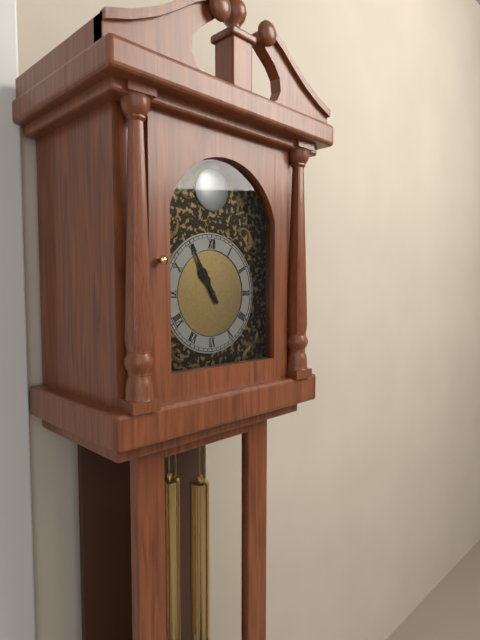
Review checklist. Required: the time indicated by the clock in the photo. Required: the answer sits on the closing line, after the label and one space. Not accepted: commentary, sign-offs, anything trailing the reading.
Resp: 10:55
